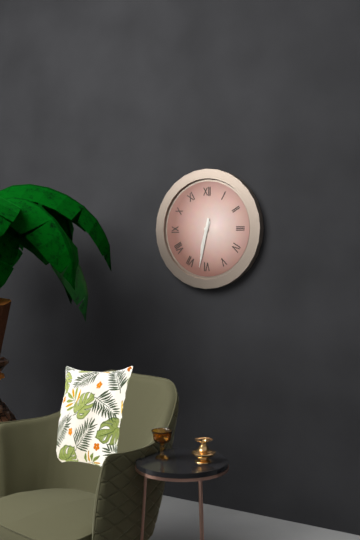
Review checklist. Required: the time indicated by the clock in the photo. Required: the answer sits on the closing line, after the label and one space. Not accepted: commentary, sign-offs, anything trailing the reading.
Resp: 6:32
